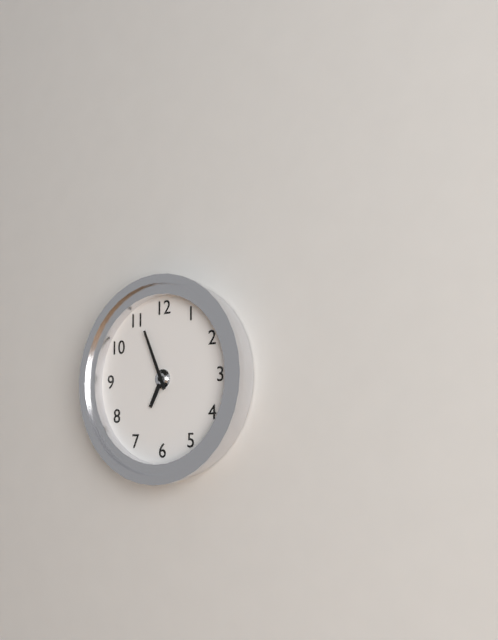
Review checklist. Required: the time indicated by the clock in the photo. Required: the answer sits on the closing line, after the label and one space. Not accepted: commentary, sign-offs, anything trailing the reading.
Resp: 6:56
